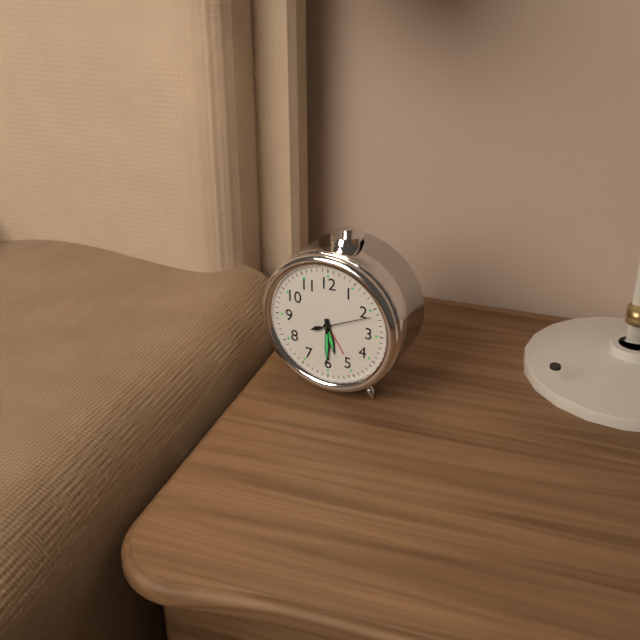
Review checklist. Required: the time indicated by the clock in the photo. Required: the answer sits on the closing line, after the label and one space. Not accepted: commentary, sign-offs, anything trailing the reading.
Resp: 5:30:11
